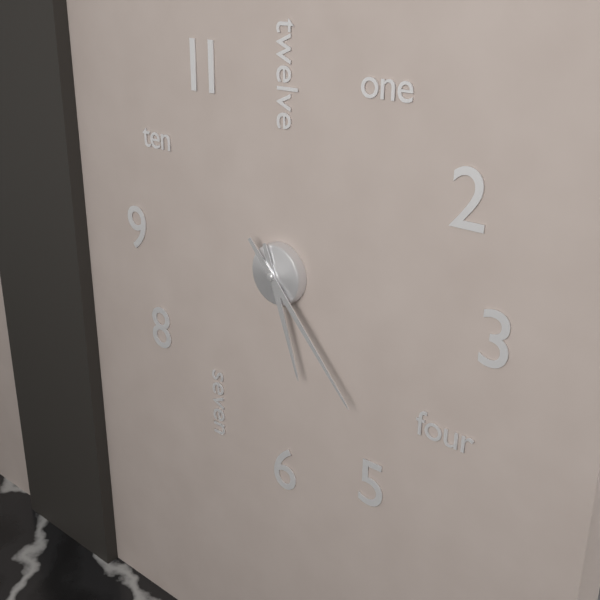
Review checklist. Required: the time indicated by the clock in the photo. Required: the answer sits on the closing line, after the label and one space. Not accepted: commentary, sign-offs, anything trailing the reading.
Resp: 5:23
